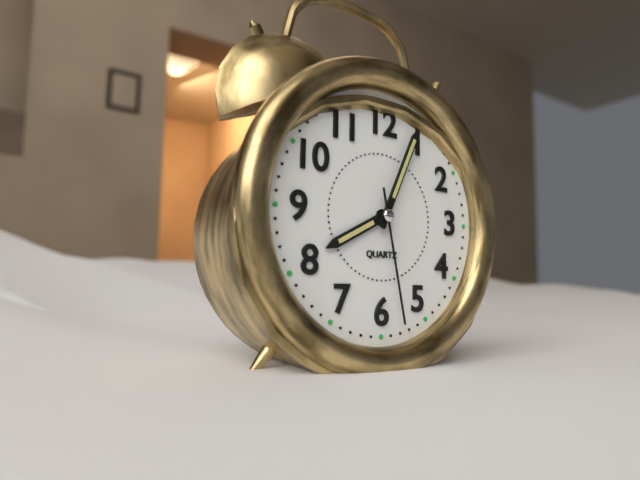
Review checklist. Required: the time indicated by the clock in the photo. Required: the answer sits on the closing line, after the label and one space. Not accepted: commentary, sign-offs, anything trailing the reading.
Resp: 8:04:28
